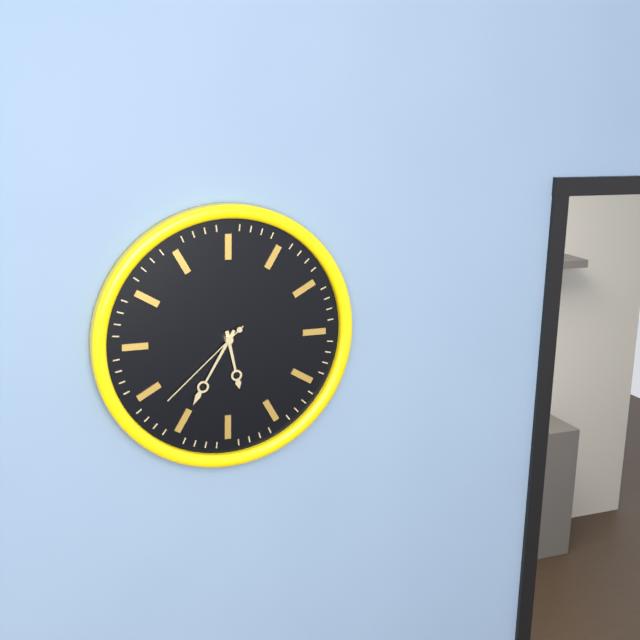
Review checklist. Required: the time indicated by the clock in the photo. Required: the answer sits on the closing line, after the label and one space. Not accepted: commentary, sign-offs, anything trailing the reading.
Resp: 5:35:38
